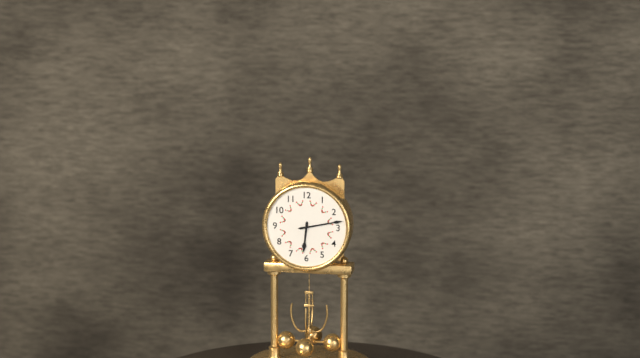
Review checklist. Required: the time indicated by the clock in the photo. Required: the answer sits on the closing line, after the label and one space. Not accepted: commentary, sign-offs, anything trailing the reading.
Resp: 6:13
